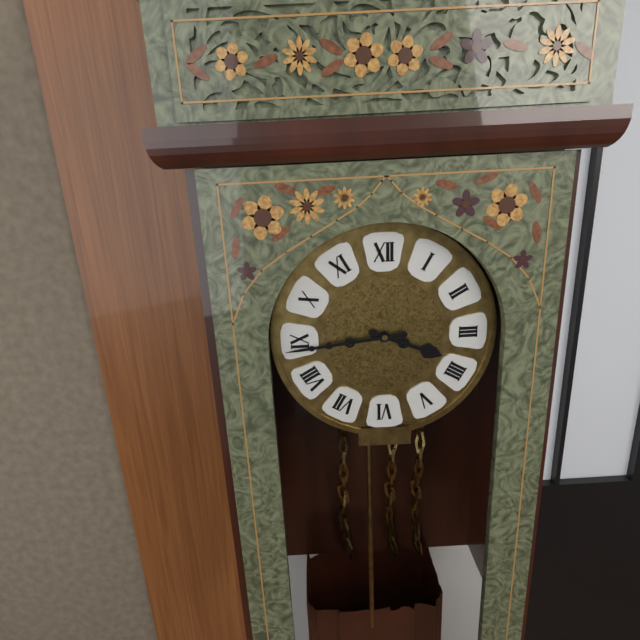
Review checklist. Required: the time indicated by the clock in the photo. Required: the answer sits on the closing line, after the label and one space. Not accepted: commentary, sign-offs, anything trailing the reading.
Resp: 3:44
